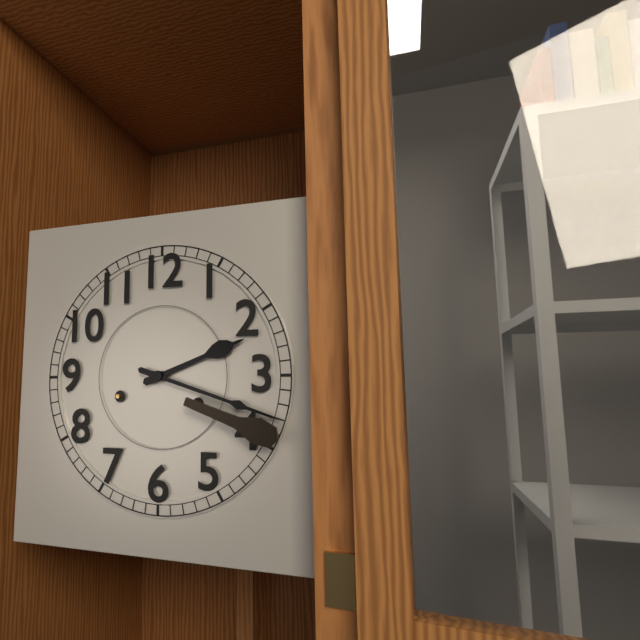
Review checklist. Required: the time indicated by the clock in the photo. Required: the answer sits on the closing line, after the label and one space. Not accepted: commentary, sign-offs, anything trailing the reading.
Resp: 2:18
